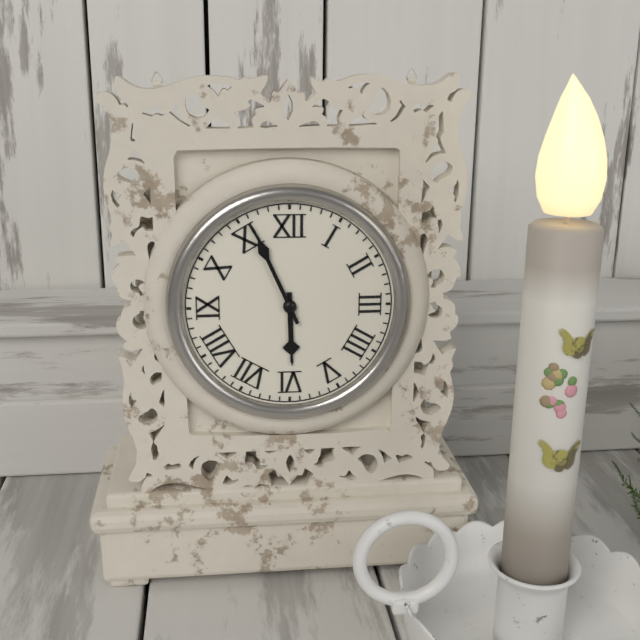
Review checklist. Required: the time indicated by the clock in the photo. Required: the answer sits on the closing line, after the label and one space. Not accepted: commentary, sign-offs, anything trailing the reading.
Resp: 5:56
